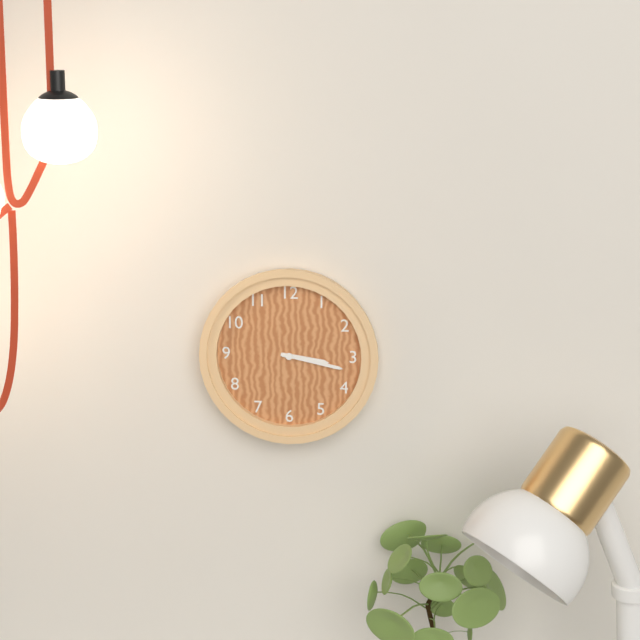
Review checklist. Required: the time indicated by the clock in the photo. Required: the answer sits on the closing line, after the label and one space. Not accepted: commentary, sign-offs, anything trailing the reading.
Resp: 3:17
